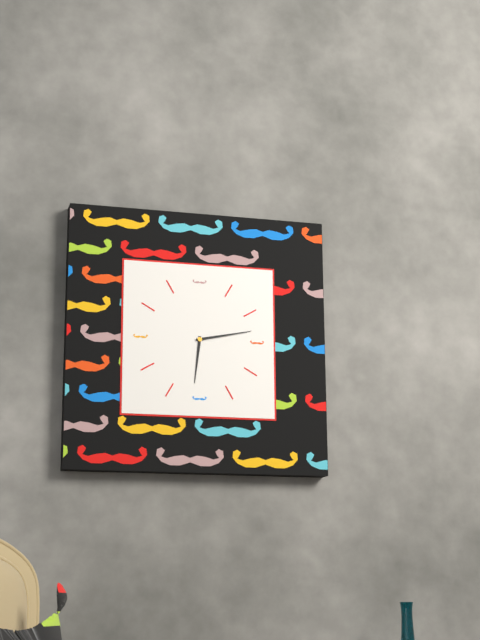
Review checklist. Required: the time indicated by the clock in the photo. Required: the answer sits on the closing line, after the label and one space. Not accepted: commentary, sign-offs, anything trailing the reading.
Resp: 6:13
